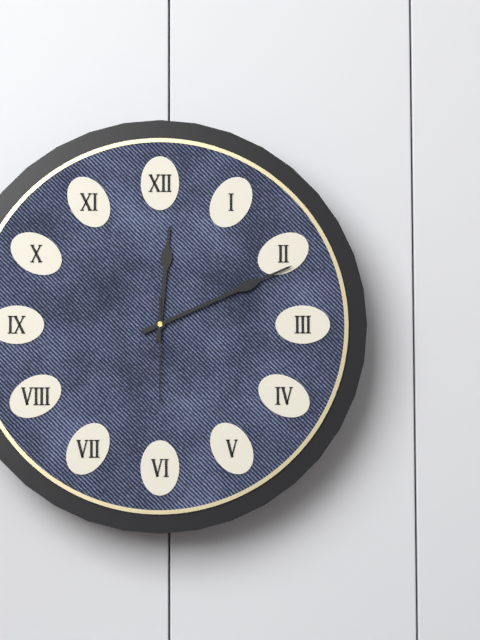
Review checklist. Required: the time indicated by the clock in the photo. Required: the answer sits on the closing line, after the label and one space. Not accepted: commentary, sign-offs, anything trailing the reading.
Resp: 12:11:30
